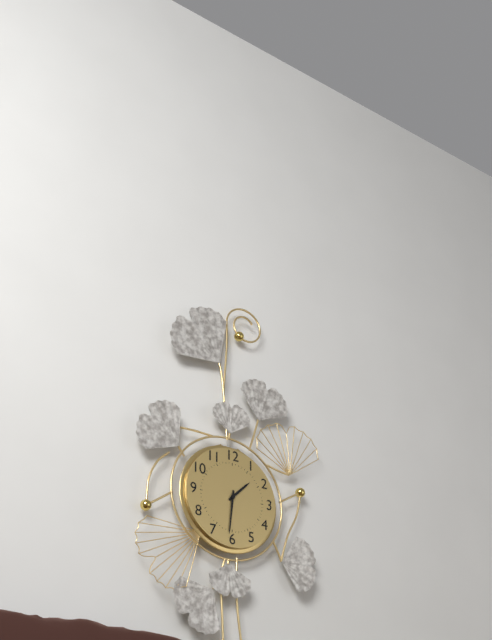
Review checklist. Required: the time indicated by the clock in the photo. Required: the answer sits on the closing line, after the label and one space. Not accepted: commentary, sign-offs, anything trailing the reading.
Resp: 1:31
